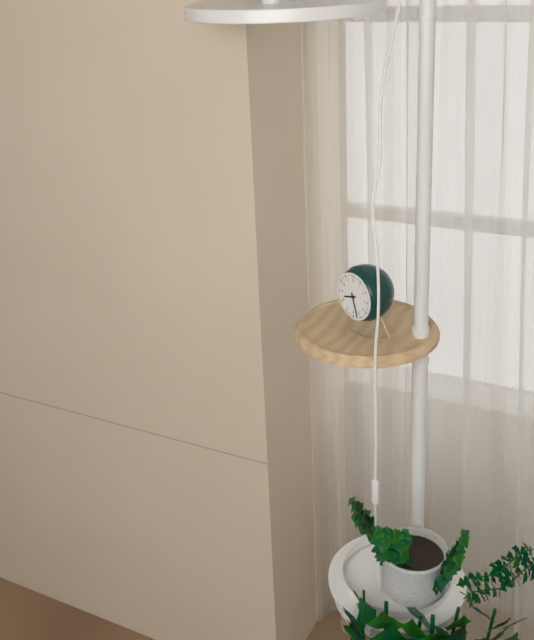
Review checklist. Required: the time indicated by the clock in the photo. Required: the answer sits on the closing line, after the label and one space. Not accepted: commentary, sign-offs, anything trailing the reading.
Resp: 8:27
